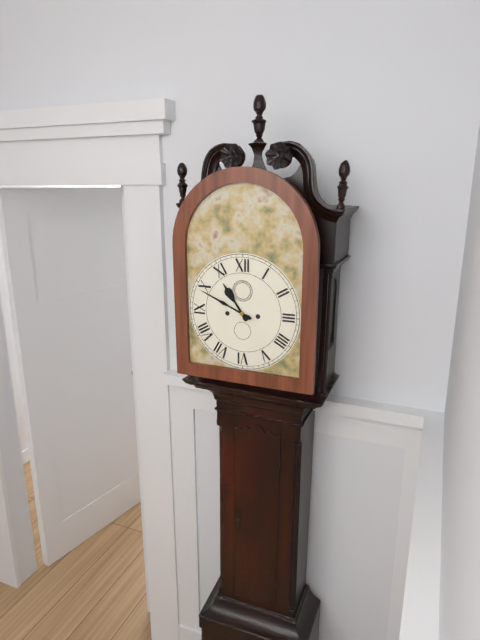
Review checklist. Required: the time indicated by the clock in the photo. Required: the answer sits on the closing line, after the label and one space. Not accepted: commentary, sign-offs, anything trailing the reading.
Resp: 10:49
